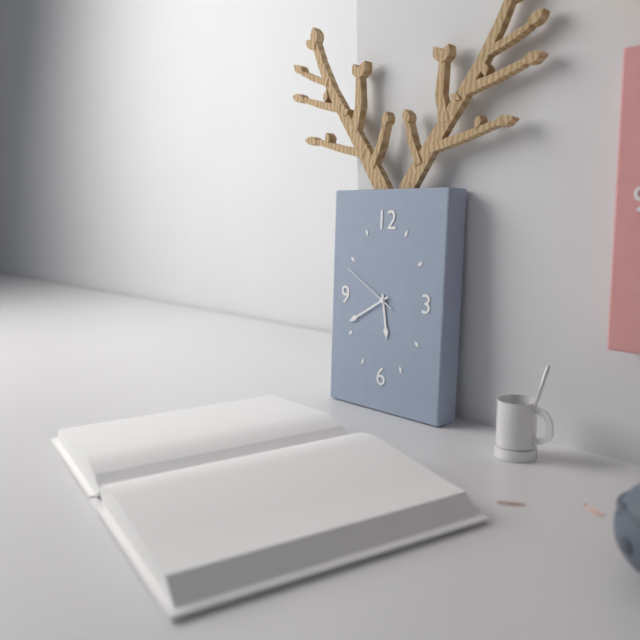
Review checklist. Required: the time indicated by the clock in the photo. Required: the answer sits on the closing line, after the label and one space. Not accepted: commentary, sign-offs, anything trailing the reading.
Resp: 5:40:50
